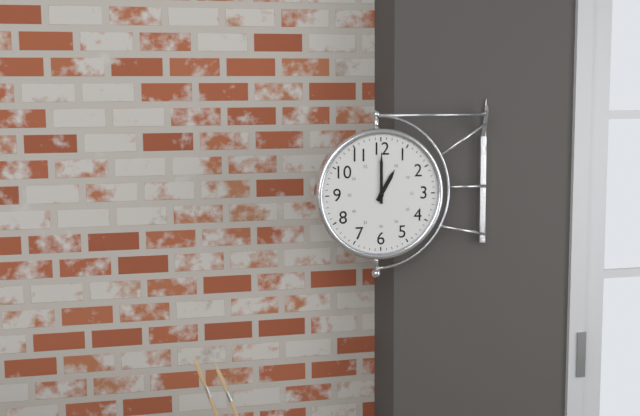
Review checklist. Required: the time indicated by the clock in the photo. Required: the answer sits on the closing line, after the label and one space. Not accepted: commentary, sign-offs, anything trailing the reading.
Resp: 1:00
